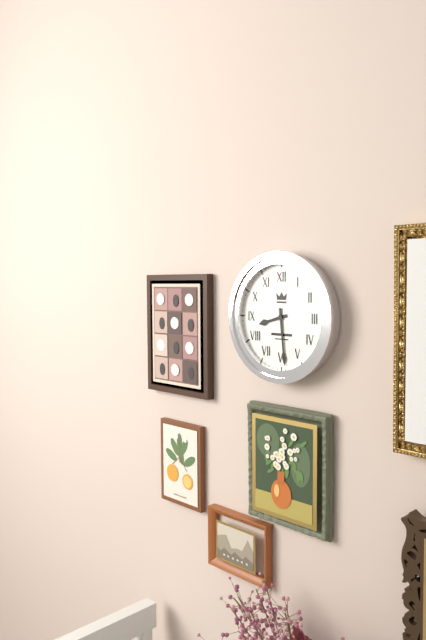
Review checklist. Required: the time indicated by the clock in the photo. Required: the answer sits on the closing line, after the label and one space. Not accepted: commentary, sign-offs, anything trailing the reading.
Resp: 8:29
